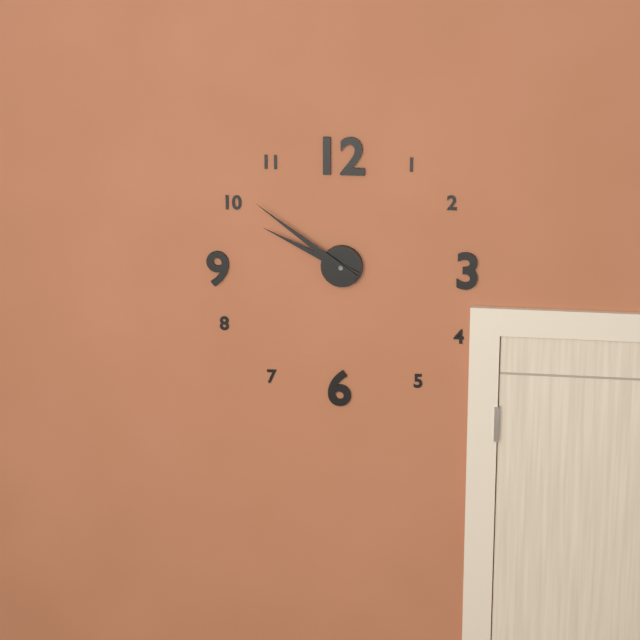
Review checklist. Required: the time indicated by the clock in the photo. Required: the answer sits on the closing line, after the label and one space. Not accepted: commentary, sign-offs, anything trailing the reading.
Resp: 9:51
